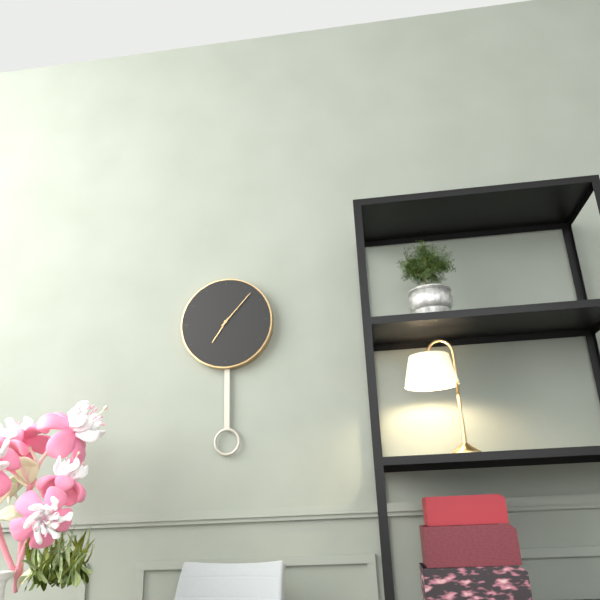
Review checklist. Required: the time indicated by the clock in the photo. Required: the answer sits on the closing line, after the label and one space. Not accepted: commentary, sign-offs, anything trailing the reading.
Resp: 7:07
